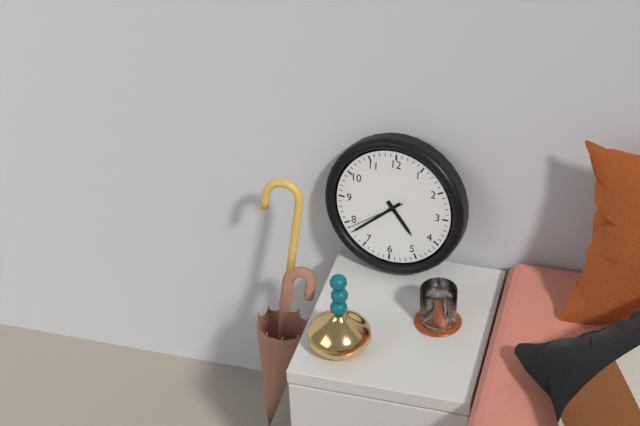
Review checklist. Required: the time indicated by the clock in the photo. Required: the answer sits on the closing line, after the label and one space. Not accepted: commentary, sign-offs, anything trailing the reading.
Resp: 4:38:39
